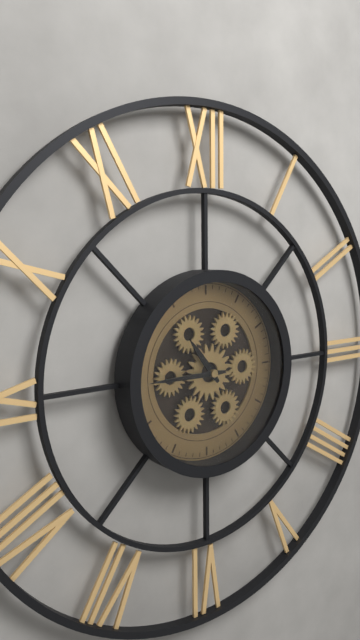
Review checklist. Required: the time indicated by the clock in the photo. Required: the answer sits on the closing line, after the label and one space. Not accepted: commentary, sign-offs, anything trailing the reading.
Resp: 10:45
